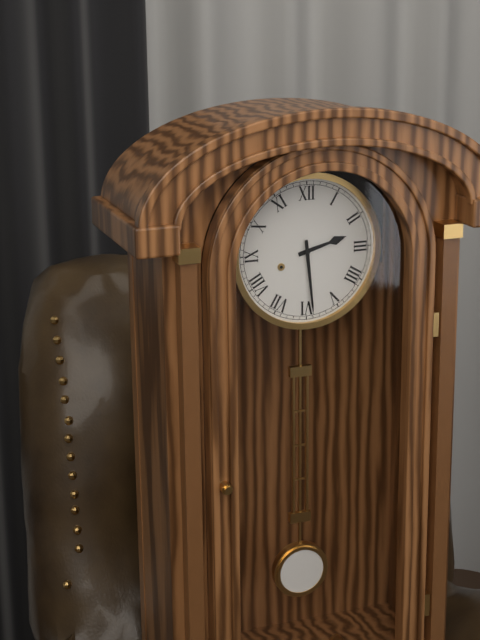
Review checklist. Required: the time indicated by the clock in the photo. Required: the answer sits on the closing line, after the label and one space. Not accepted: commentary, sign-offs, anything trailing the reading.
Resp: 2:29
